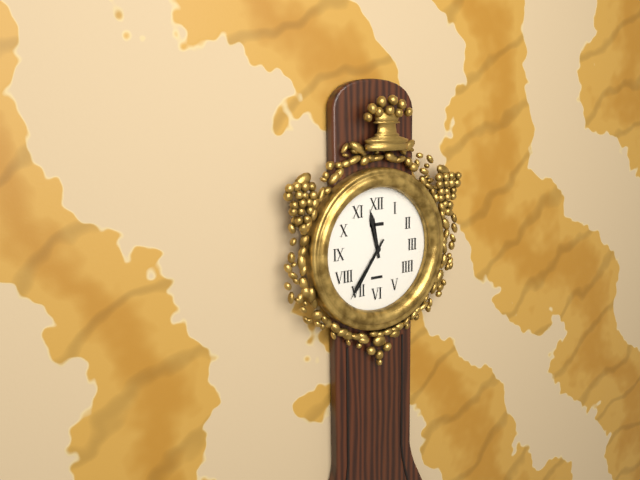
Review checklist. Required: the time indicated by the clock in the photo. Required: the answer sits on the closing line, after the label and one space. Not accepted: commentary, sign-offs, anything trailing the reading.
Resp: 11:36
